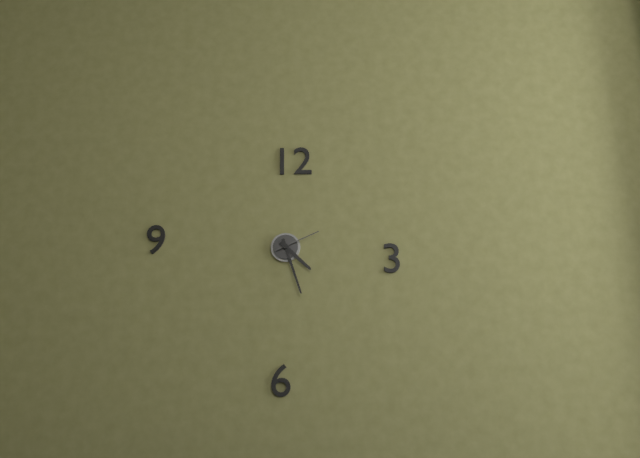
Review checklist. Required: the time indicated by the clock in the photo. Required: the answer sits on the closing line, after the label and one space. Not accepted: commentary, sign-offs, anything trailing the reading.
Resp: 4:27
